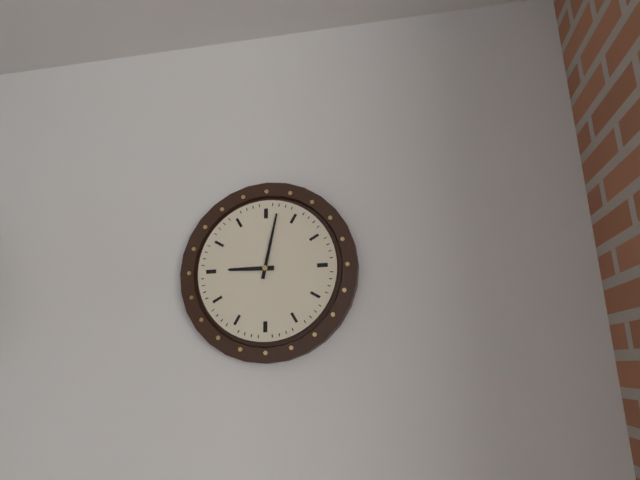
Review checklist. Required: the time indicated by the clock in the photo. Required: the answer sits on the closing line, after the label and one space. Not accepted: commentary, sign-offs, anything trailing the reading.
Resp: 9:02
